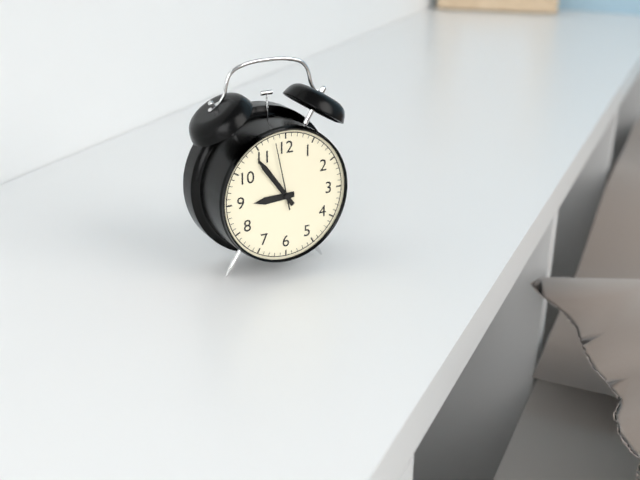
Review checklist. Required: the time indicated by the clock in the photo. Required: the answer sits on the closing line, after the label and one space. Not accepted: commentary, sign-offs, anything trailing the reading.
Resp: 8:54:58
